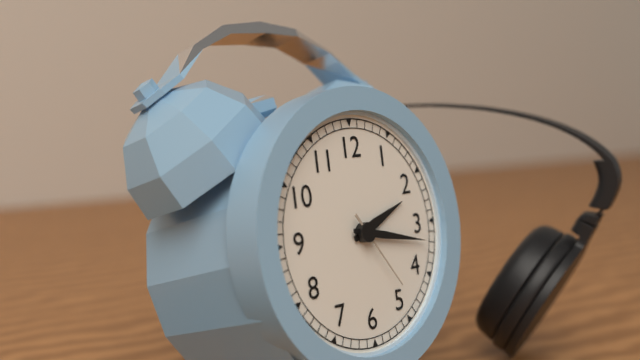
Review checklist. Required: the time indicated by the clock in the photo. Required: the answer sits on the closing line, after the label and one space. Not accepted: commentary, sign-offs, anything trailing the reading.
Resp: 2:17:24
